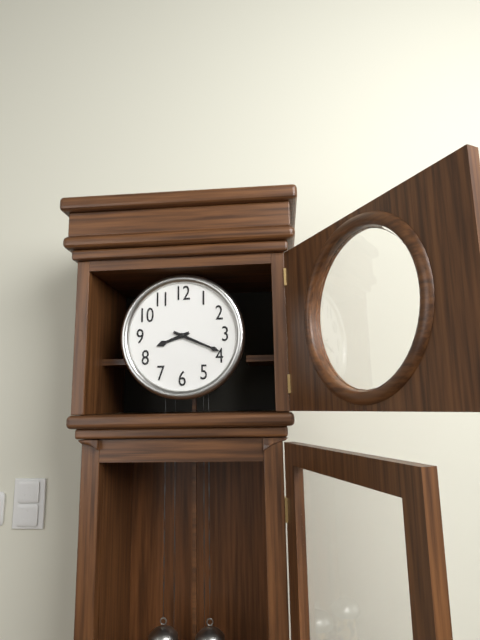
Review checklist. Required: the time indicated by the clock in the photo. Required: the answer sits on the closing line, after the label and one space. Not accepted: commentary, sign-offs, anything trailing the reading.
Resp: 8:19
